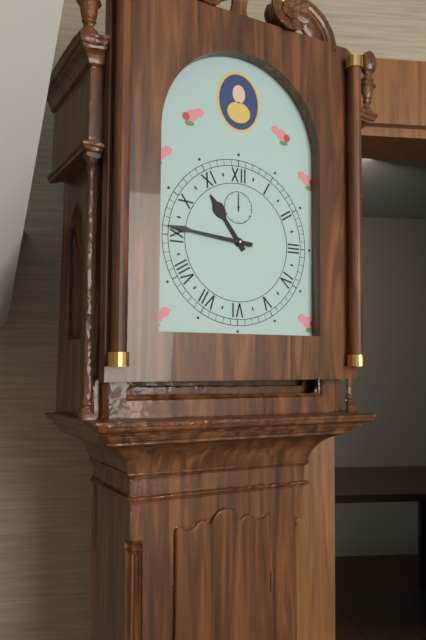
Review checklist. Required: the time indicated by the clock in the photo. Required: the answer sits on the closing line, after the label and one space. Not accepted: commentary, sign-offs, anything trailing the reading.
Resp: 10:46
